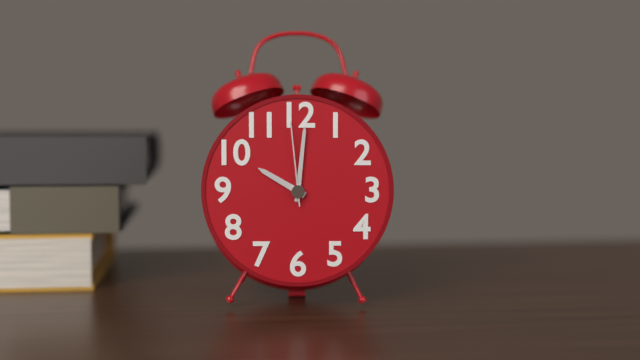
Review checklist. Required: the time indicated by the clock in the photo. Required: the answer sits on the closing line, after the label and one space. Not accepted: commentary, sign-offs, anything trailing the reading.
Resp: 10:01:59
